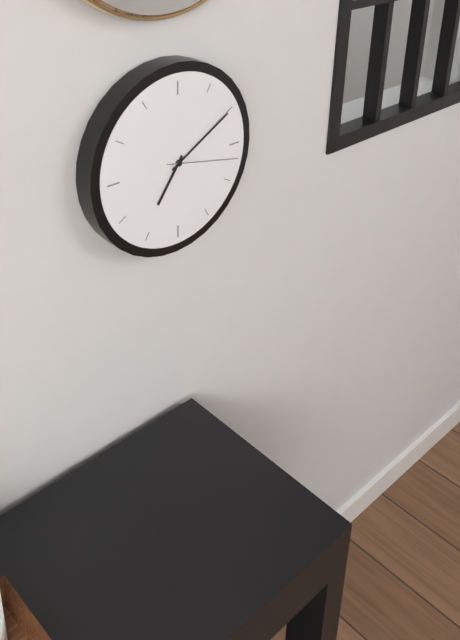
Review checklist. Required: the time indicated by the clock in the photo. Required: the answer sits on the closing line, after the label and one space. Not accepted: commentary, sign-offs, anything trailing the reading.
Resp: 7:10:17
